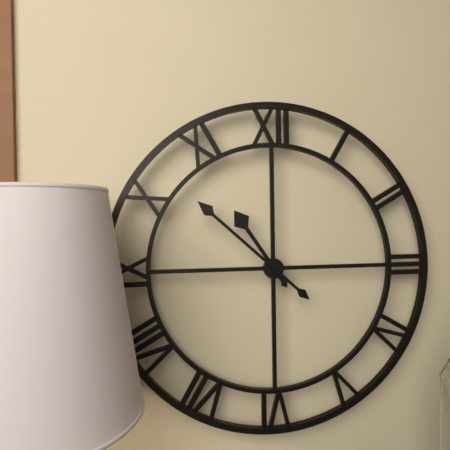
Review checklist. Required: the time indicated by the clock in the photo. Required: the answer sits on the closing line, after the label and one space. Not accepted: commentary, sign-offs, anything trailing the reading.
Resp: 10:52
